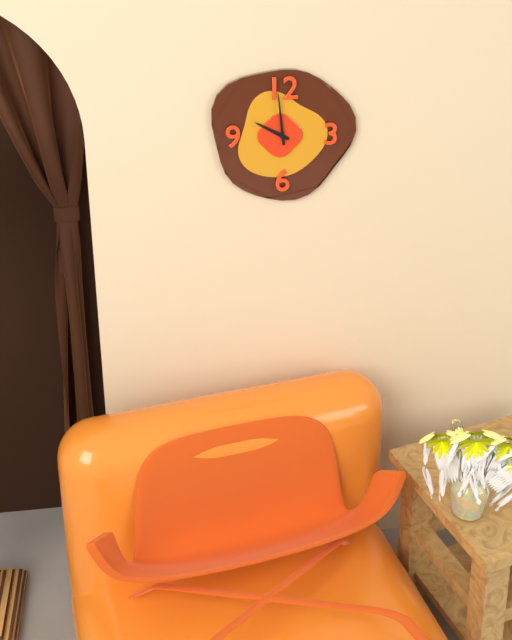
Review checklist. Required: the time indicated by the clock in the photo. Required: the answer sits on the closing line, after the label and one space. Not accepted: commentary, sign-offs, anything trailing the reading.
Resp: 9:59
